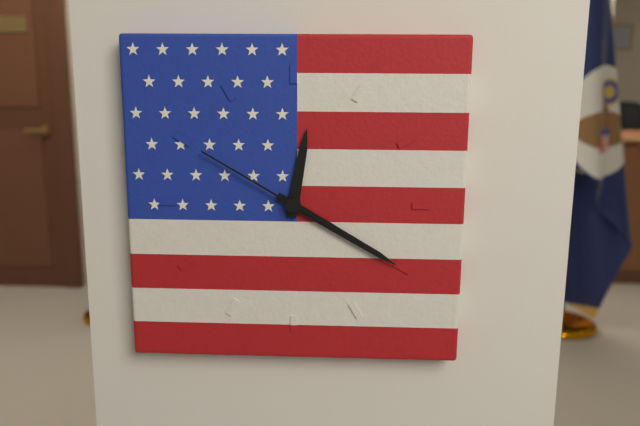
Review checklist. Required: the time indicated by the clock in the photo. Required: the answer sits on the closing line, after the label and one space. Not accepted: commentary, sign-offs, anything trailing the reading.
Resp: 12:20:50
